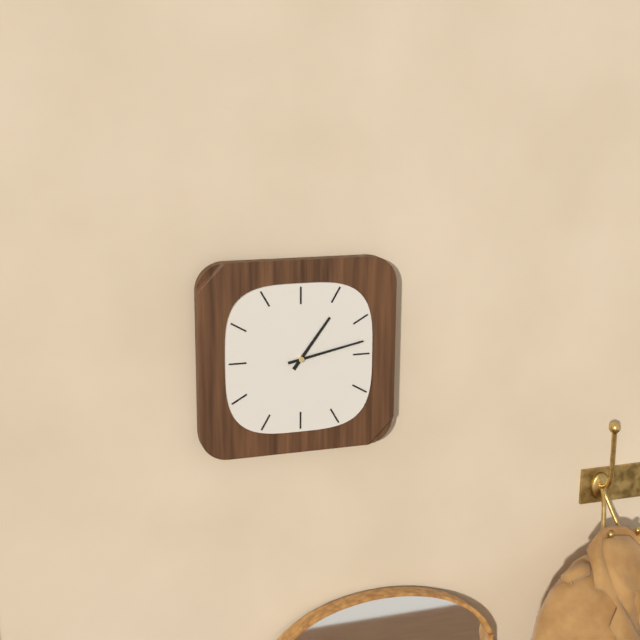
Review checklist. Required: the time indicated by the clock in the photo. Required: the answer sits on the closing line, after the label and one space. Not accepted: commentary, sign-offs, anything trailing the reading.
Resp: 1:13
